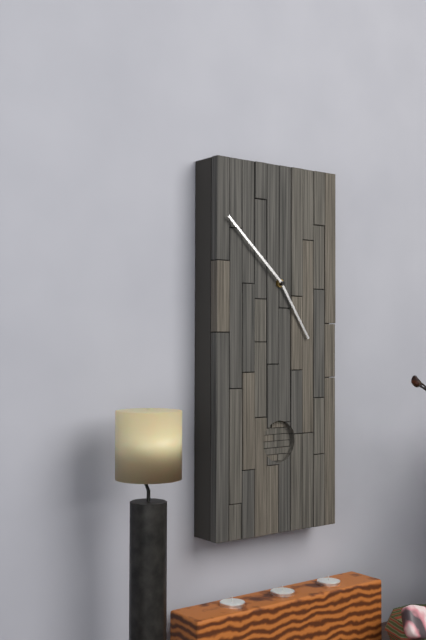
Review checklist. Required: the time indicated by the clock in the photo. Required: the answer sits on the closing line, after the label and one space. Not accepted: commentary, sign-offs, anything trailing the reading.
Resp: 4:52
